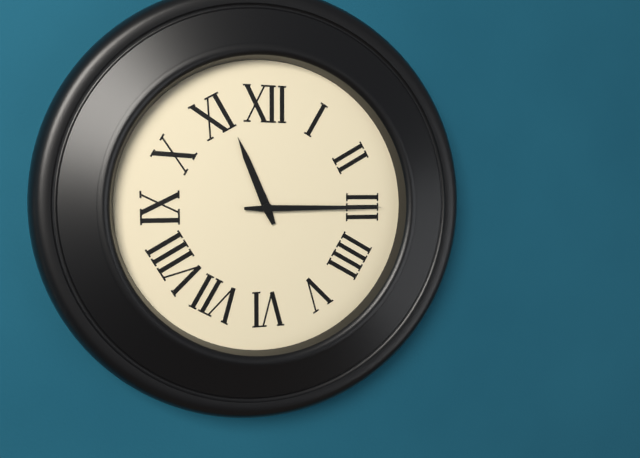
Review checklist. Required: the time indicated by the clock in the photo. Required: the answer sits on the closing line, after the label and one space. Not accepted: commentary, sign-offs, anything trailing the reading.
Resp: 11:15
